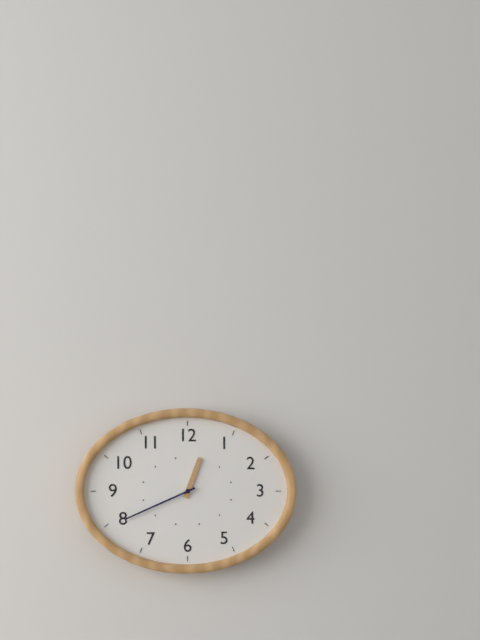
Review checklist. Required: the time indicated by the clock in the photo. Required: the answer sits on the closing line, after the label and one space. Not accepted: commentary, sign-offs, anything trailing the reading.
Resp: 12:41
